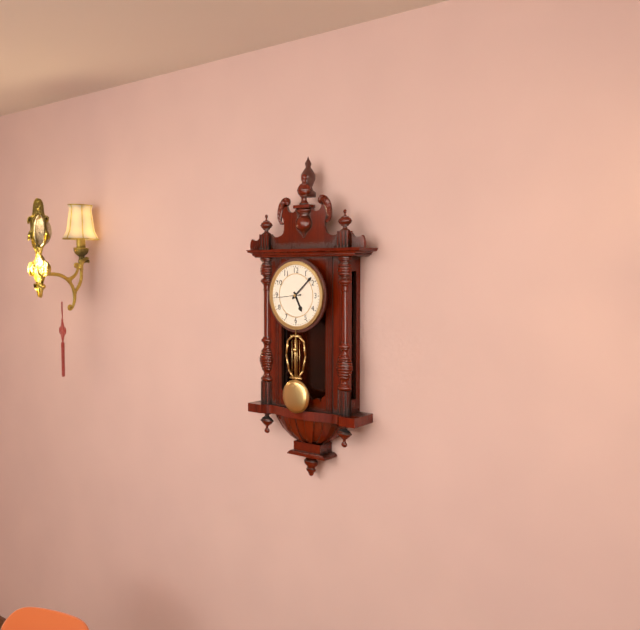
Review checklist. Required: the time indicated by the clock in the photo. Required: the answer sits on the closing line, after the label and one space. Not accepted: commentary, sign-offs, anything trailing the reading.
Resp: 5:08
